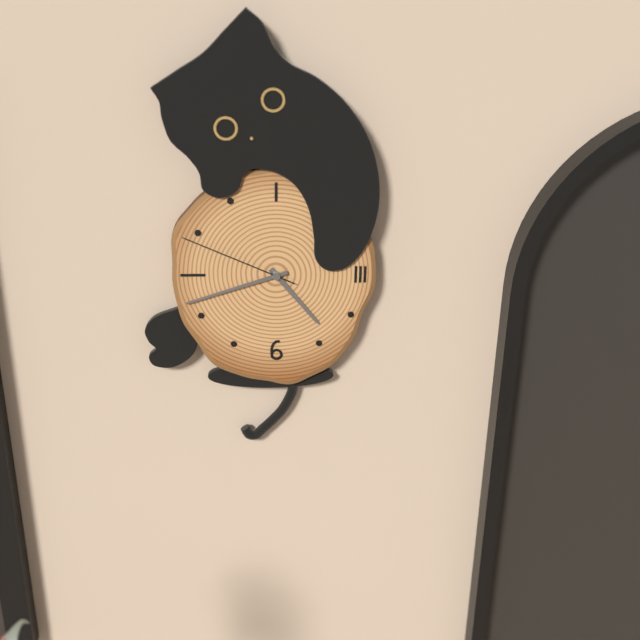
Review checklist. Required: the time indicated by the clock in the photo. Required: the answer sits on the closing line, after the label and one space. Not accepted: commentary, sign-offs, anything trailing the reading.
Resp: 4:42:49
